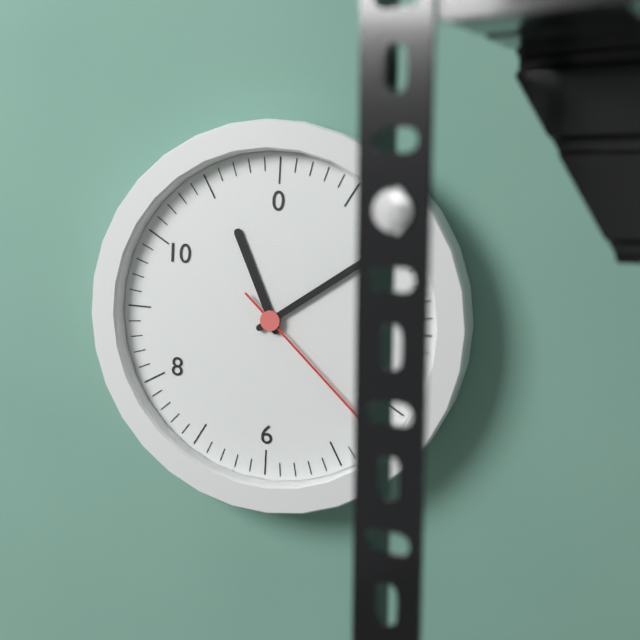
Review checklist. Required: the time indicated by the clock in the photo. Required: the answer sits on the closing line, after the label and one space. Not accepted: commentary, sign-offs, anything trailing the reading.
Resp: 11:09:22
